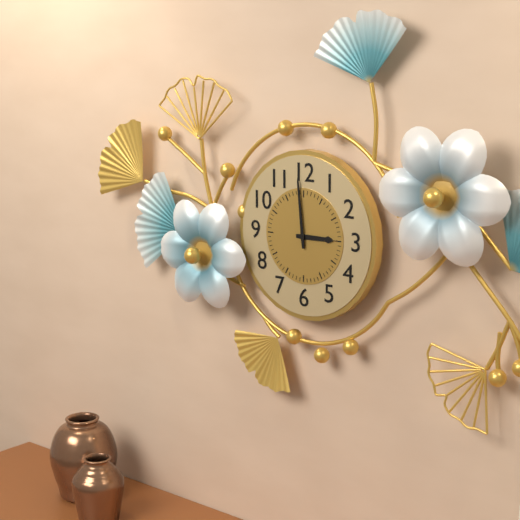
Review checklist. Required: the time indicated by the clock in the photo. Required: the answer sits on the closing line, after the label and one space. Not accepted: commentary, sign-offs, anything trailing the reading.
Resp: 2:59
